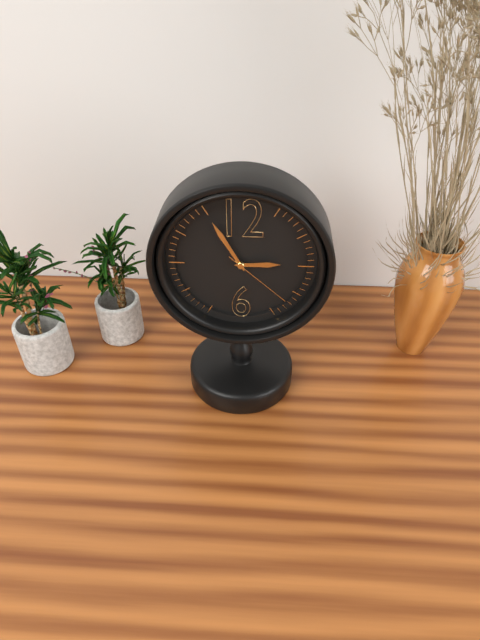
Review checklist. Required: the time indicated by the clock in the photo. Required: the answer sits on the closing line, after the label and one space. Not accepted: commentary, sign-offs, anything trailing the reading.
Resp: 2:55:22
